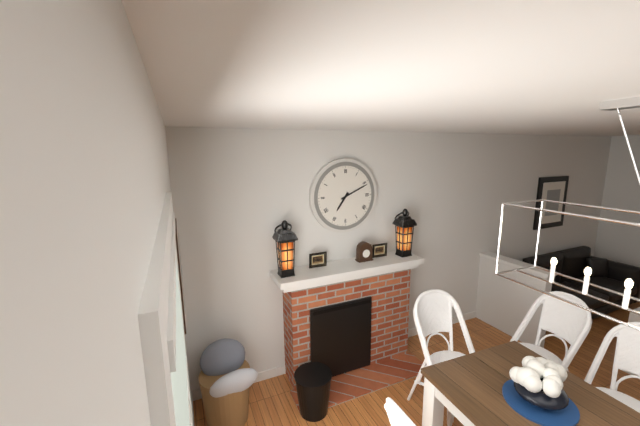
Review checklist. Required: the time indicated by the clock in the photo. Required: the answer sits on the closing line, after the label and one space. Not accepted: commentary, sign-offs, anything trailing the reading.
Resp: 7:11
